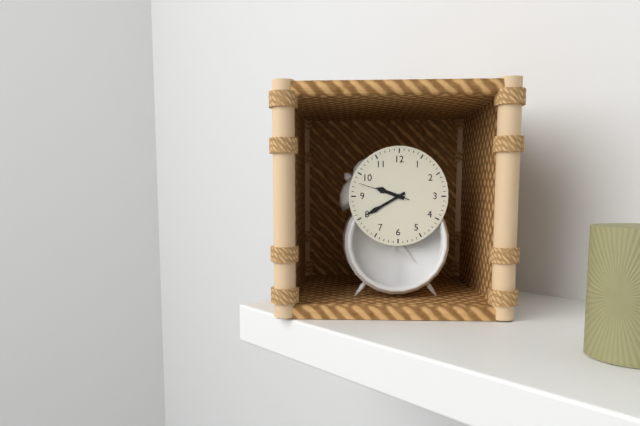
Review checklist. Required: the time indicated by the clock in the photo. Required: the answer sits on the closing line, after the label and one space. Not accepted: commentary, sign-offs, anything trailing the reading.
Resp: 9:40:48
